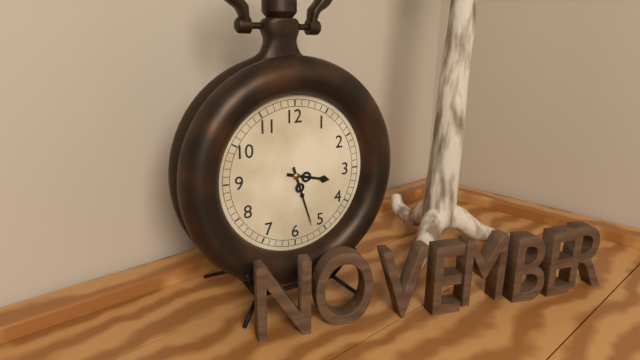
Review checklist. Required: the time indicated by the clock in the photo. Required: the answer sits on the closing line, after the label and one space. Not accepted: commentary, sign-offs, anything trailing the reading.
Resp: 3:27
